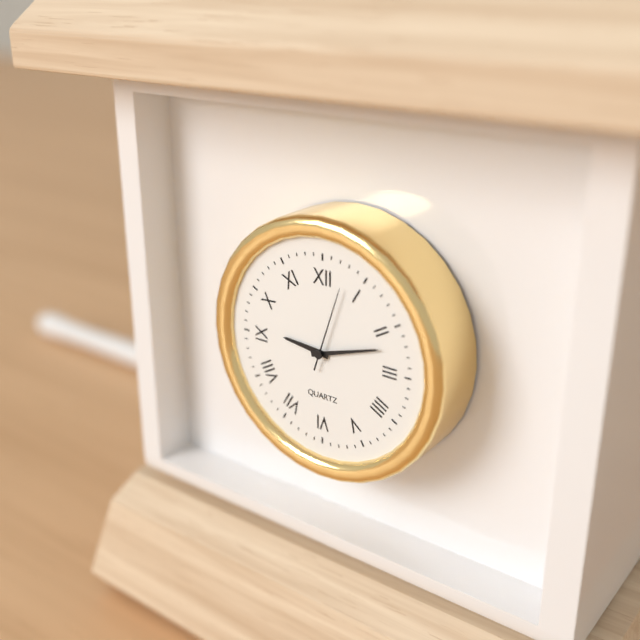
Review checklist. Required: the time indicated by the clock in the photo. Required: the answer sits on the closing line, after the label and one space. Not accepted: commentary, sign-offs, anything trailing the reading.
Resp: 9:12:03
